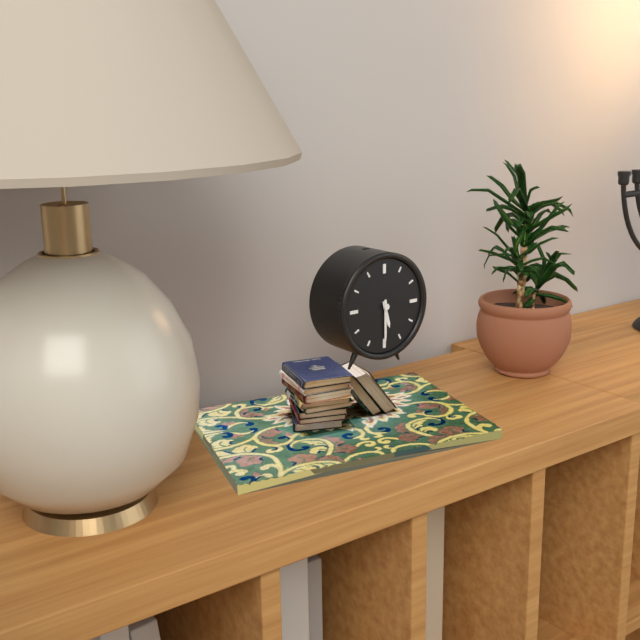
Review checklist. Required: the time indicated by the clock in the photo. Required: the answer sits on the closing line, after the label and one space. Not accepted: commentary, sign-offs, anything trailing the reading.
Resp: 5:30
